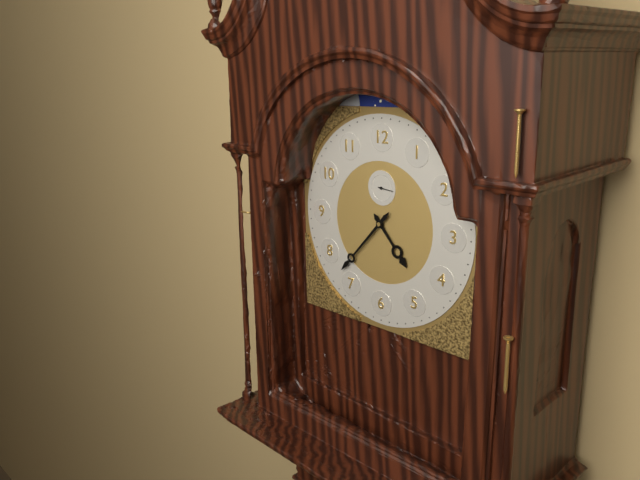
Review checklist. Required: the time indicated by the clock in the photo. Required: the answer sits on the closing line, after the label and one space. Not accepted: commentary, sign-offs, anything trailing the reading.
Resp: 4:37
